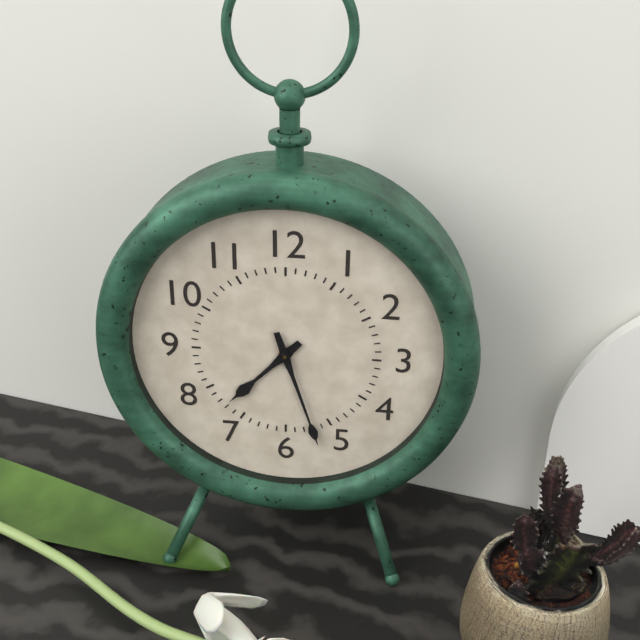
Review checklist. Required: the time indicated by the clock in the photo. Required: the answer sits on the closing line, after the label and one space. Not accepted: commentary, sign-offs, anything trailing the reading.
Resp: 7:27
